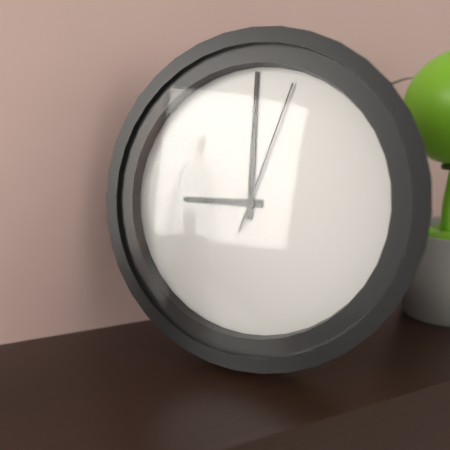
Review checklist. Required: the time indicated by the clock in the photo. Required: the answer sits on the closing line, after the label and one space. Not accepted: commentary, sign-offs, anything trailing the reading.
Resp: 9:00:03
